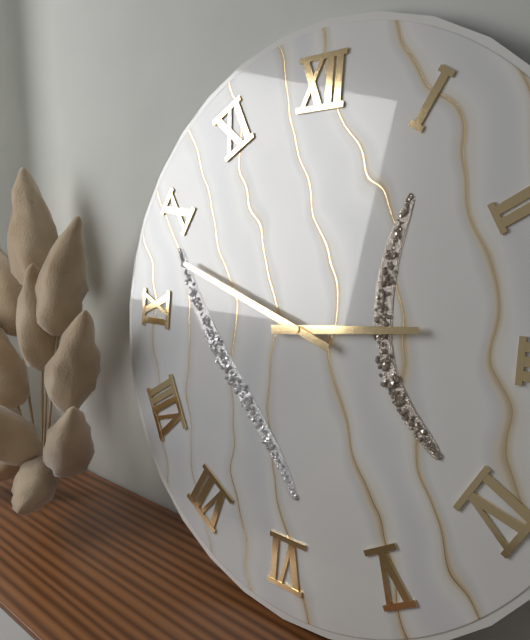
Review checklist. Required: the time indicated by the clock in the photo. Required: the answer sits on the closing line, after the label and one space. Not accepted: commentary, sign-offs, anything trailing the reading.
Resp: 2:48
